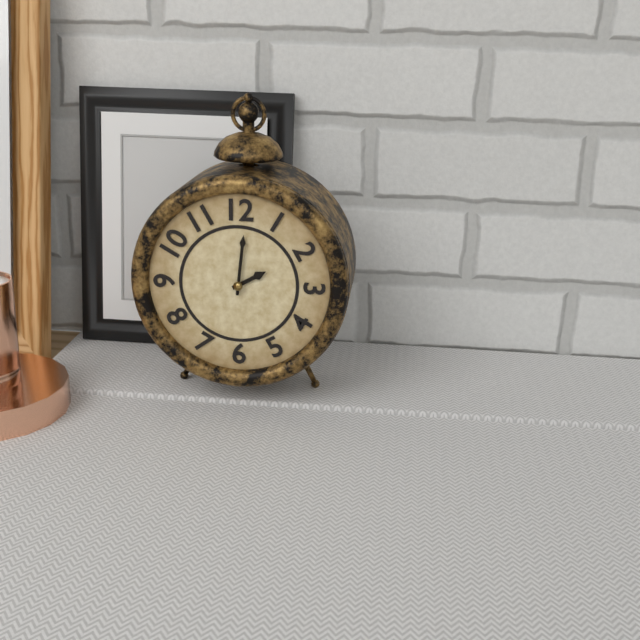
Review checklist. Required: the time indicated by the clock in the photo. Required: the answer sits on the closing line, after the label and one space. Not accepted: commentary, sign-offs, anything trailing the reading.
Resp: 2:01
